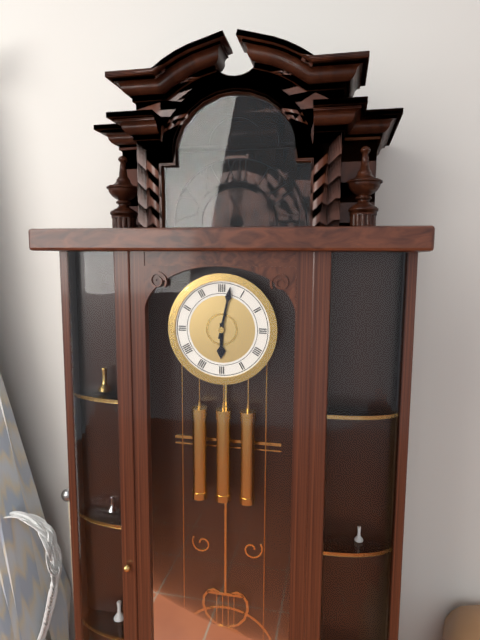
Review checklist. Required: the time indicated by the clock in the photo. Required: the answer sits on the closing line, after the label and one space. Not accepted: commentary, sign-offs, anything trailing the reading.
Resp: 6:02
